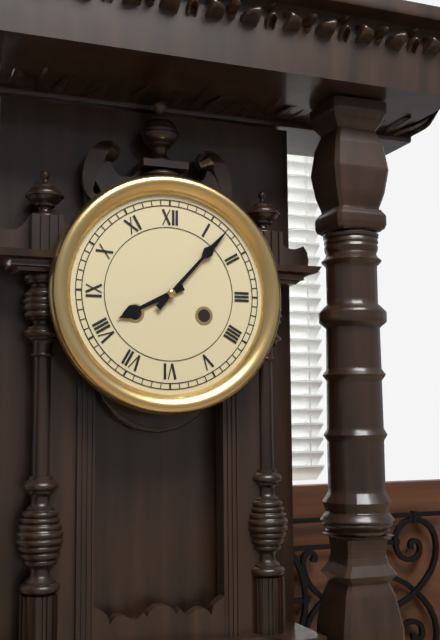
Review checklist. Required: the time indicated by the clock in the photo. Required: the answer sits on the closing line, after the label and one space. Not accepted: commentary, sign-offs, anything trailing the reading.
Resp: 8:07
